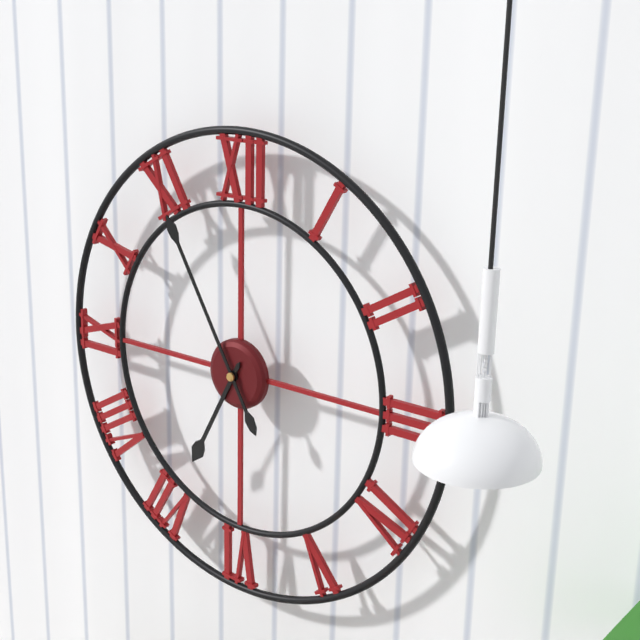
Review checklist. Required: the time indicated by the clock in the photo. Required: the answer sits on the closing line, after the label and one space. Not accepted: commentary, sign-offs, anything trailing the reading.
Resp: 6:55
